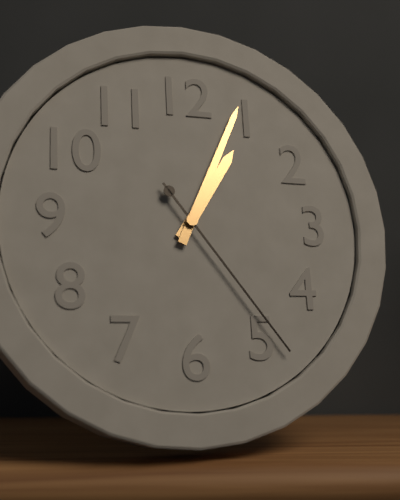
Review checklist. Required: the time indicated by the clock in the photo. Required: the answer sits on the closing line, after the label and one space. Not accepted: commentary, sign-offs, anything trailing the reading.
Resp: 1:04:24
